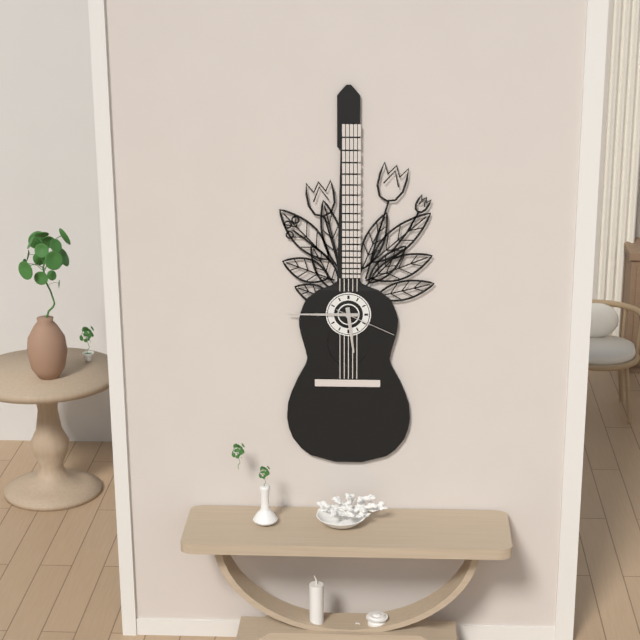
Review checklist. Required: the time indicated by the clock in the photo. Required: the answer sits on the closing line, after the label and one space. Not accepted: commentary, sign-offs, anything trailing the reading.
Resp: 5:45:19
